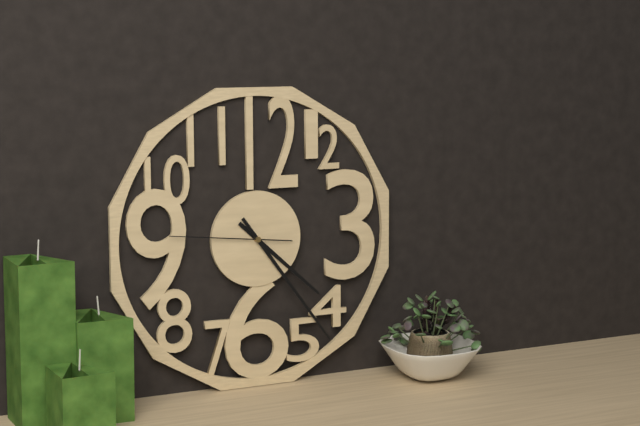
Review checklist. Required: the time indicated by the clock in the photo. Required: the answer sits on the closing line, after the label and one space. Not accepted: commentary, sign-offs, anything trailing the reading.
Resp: 4:24:46
